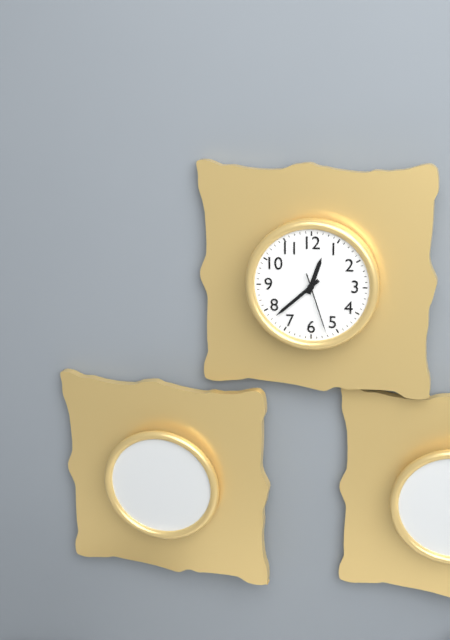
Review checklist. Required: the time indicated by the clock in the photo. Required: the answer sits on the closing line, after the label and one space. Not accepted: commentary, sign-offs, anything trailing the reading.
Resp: 12:38:27
